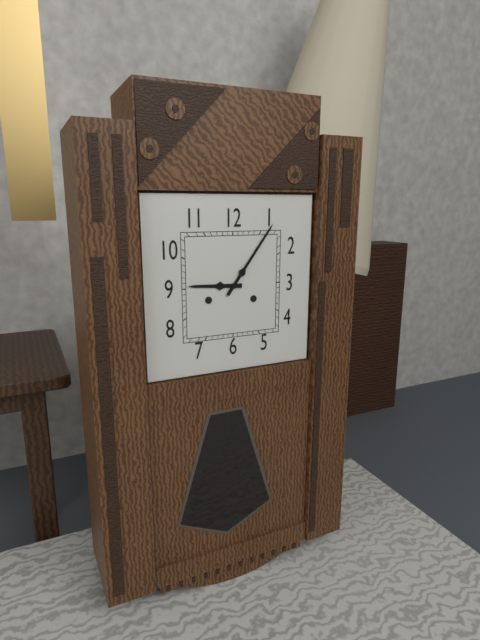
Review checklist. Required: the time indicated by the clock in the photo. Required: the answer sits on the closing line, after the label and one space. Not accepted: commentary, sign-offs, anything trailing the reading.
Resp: 9:06
